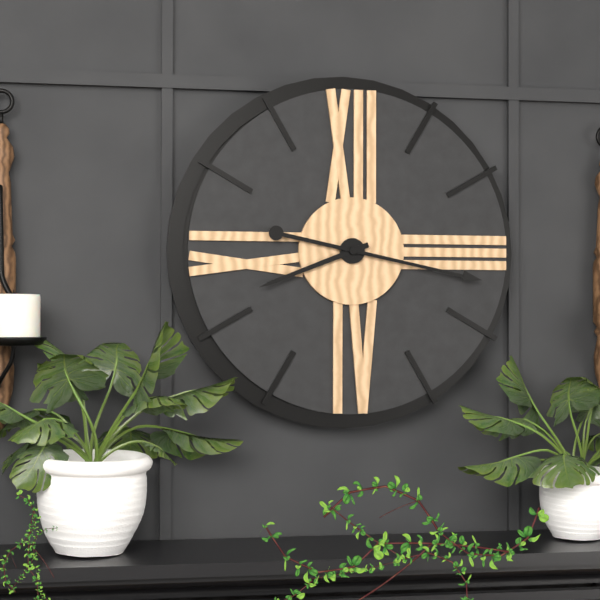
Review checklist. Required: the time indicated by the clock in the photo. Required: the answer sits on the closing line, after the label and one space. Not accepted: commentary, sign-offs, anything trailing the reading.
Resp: 8:17
